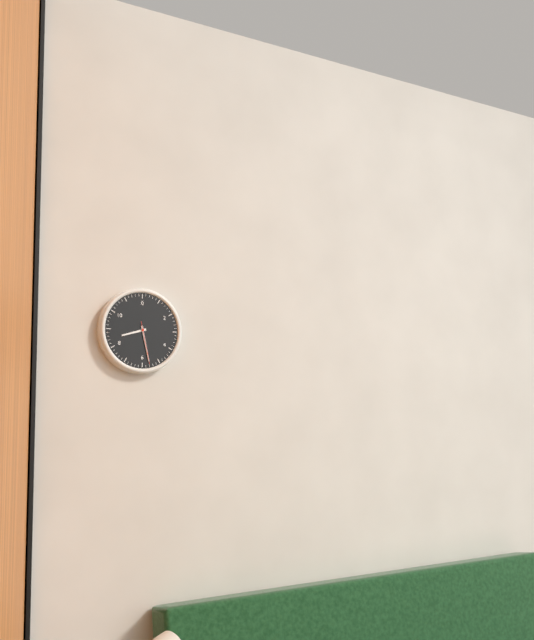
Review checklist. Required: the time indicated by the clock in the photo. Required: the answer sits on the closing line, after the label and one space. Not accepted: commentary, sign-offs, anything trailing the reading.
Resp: 8:28
